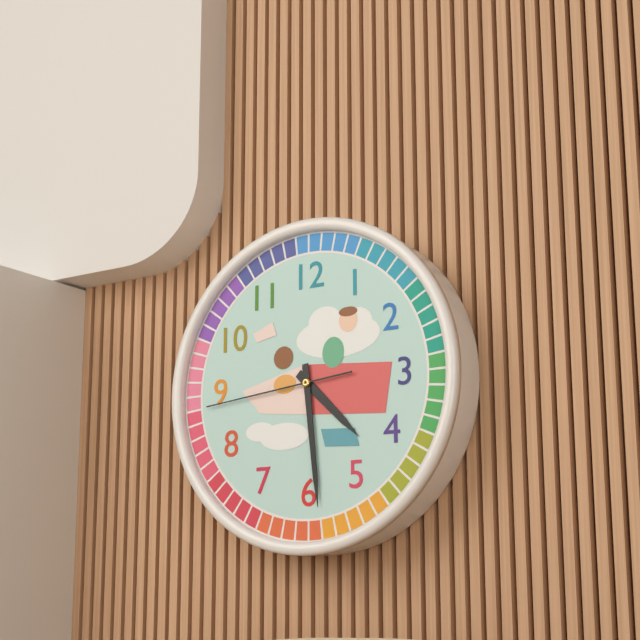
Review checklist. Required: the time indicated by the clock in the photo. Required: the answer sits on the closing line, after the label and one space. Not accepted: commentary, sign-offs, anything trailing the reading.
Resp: 4:29:44
